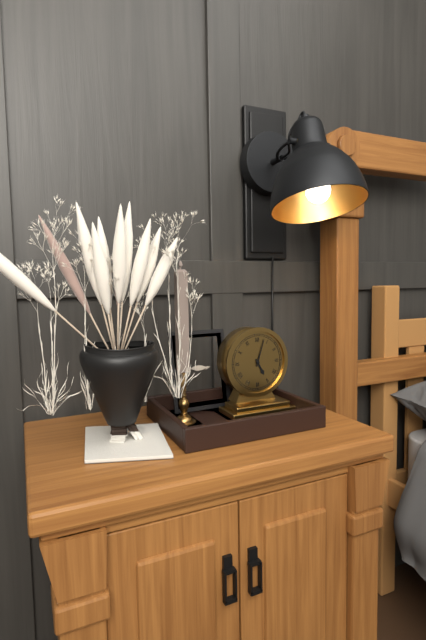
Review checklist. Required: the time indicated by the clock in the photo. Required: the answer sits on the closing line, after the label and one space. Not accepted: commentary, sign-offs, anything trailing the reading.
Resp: 5:03
